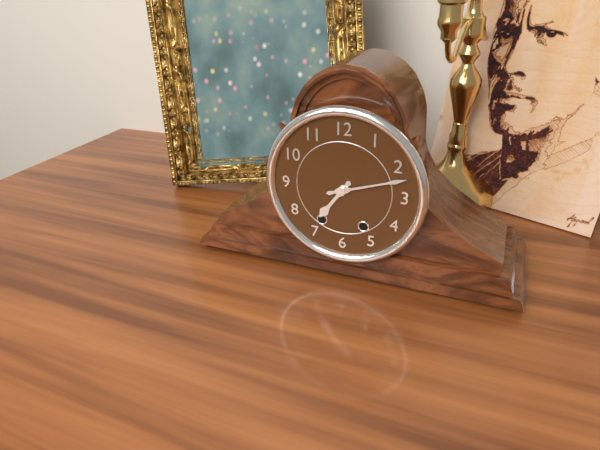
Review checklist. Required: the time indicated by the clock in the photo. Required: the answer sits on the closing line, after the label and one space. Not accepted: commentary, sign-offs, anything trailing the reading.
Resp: 7:12
